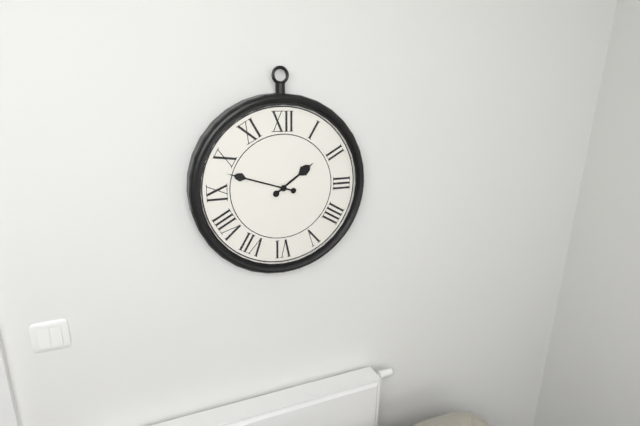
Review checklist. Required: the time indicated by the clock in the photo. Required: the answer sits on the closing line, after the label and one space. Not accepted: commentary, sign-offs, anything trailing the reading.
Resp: 1:48
